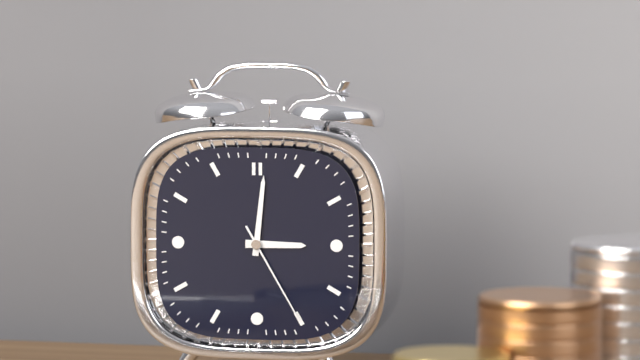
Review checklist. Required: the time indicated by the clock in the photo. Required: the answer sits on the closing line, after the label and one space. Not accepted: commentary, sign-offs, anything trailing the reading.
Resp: 3:01:25
